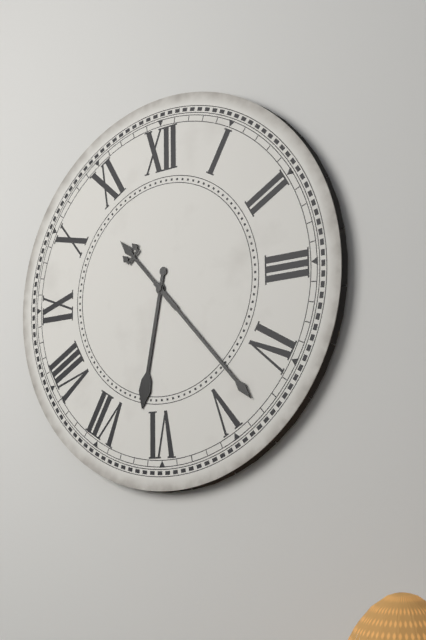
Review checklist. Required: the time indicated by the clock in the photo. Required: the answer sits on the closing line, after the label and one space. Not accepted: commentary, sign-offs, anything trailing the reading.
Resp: 6:23
